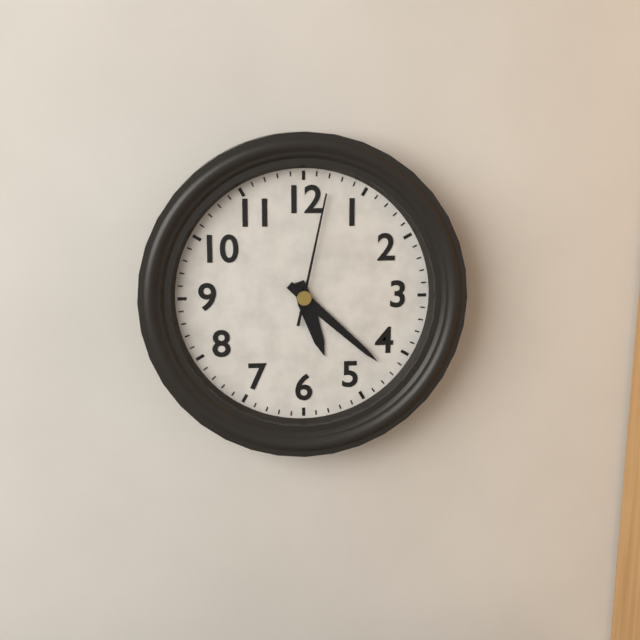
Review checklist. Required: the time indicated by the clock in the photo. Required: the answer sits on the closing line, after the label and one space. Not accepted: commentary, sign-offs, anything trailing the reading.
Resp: 5:22:02
